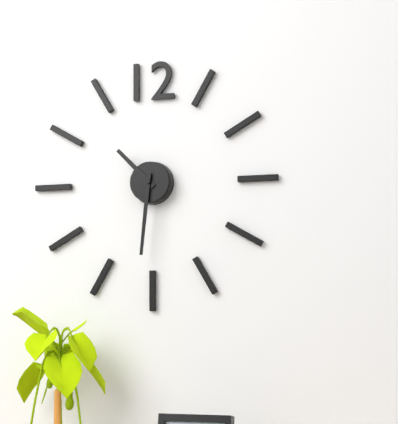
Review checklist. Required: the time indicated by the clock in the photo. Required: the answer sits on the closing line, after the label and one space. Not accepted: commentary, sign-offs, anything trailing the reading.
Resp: 10:31
